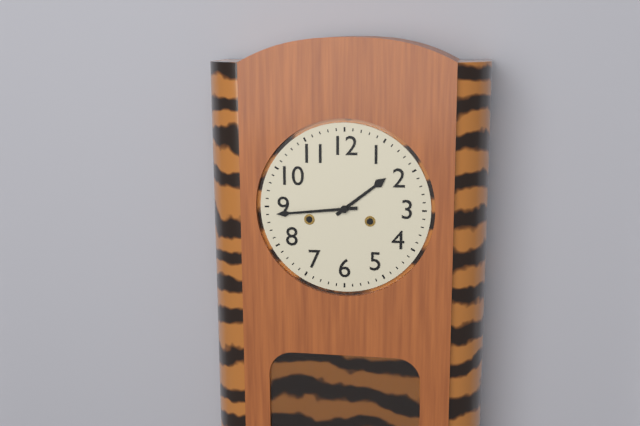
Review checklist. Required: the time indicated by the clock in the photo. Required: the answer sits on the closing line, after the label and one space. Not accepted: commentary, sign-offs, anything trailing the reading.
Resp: 1:44
